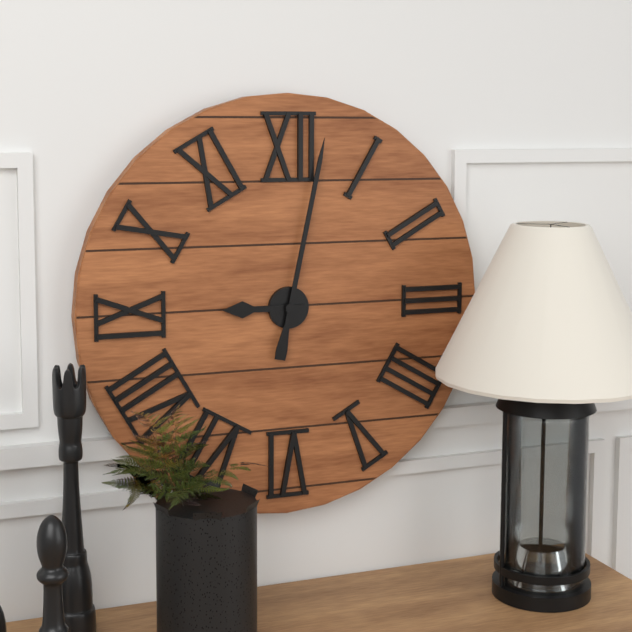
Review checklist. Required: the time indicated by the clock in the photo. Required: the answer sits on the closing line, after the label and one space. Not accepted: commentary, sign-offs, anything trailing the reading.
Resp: 9:02
